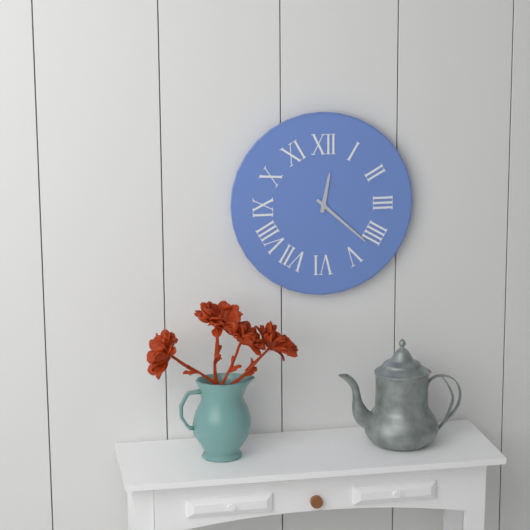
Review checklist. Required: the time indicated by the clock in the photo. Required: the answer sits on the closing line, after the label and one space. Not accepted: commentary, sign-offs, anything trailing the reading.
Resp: 12:22
